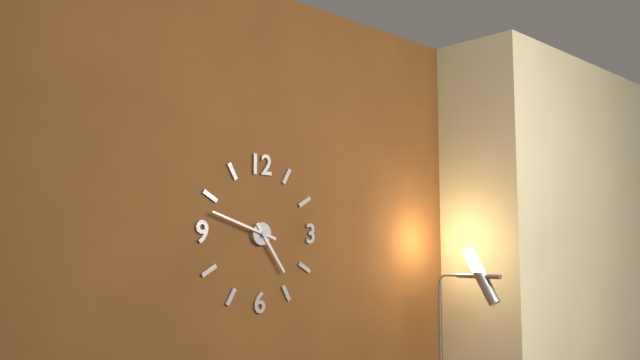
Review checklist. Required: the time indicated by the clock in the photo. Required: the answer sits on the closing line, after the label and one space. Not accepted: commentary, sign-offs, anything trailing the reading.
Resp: 4:48
